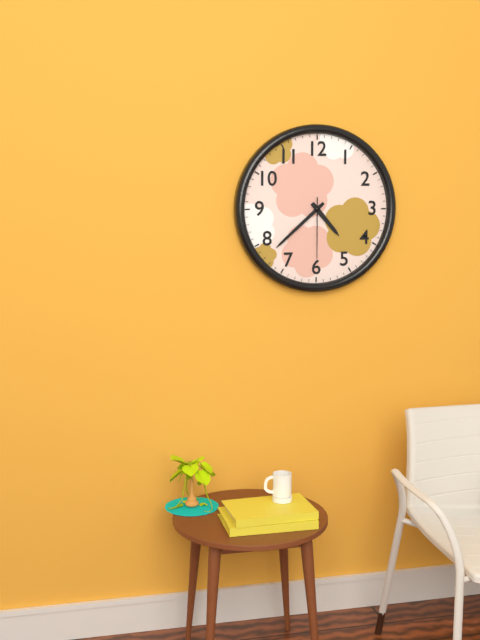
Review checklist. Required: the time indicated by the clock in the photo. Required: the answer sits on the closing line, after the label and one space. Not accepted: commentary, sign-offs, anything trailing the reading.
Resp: 4:38:30
